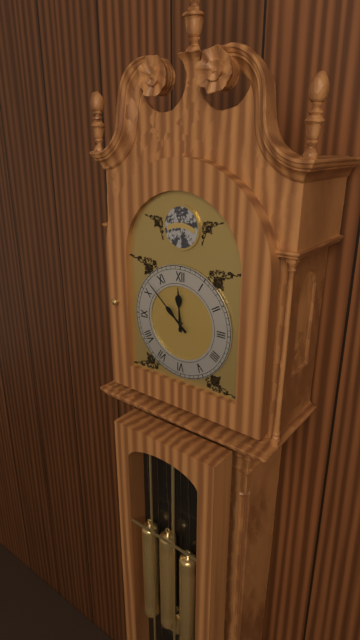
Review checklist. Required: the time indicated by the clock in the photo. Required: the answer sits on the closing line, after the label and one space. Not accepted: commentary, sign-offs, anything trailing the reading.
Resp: 11:52
